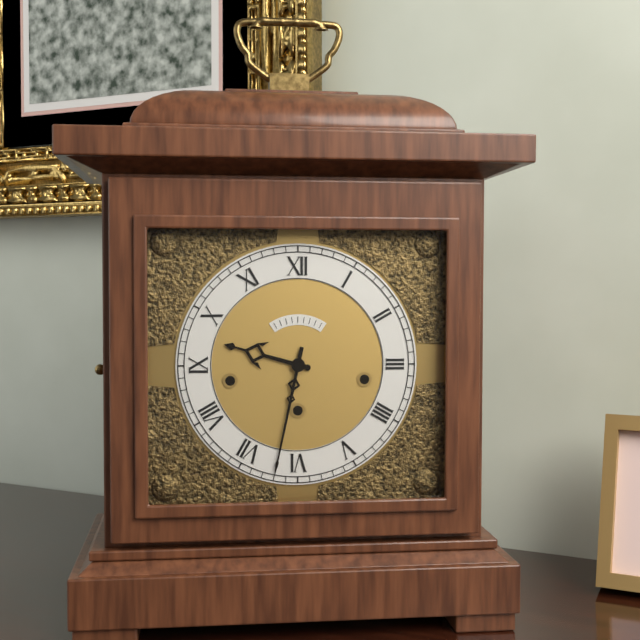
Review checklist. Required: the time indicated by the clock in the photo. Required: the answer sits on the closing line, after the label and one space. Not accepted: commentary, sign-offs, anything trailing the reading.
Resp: 9:32
